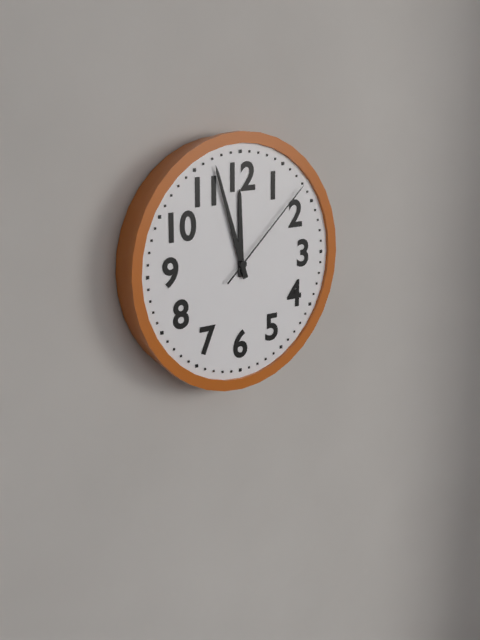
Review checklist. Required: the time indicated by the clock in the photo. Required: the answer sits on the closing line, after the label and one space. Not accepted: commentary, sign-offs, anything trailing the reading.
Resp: 11:57:08
